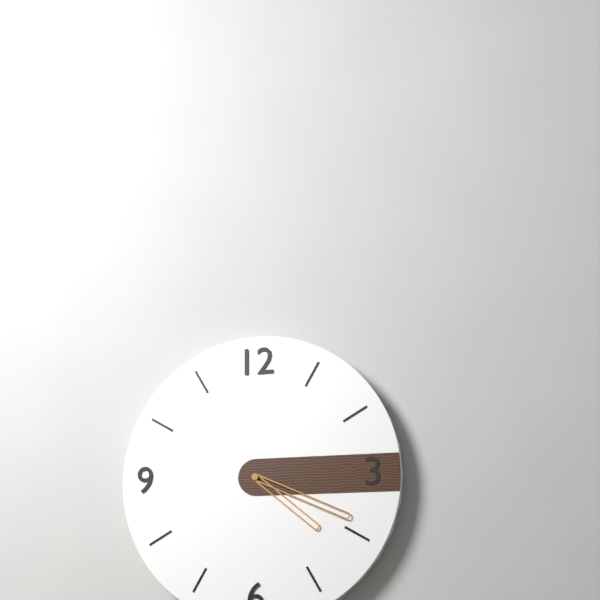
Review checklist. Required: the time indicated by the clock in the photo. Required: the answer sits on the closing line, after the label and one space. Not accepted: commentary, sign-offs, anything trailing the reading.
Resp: 4:19
